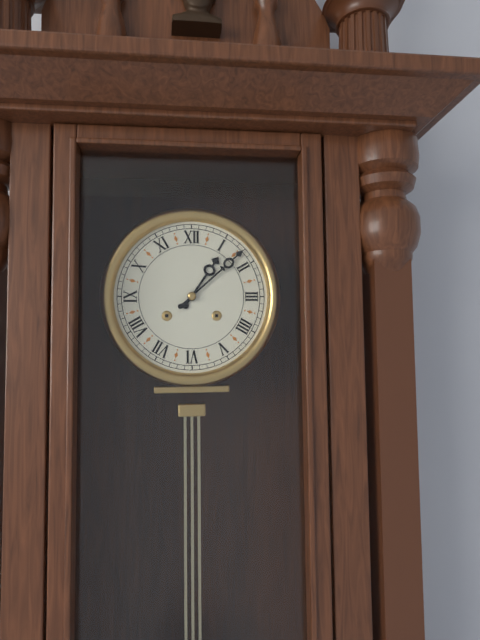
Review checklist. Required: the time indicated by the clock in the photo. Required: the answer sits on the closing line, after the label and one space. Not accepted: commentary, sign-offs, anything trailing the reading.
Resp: 1:08
